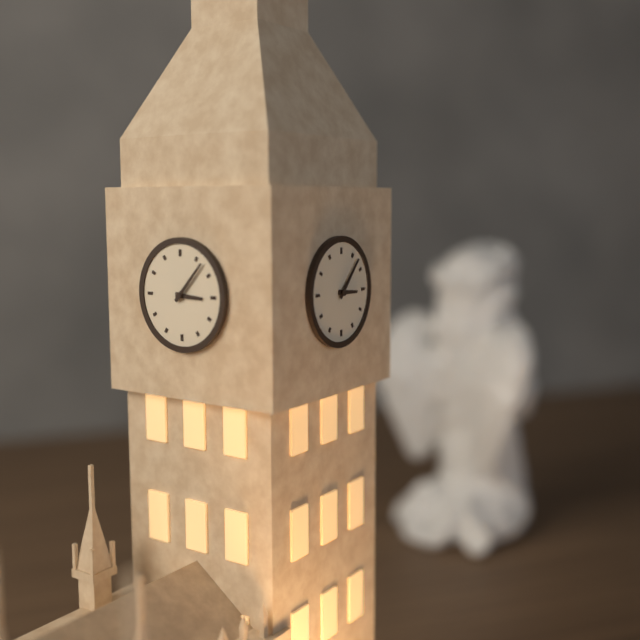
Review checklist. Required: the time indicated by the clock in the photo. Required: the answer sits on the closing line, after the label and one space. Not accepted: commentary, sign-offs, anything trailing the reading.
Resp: 3:07
